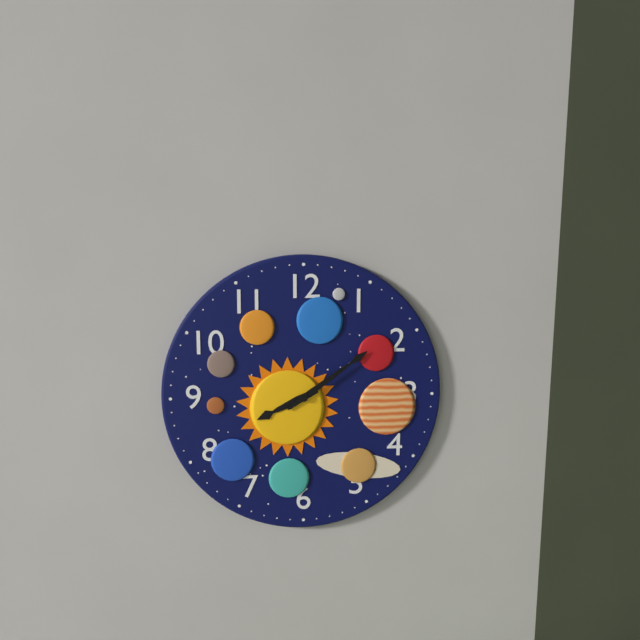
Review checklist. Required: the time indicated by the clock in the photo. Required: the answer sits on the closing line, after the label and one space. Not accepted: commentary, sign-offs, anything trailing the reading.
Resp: 8:09
